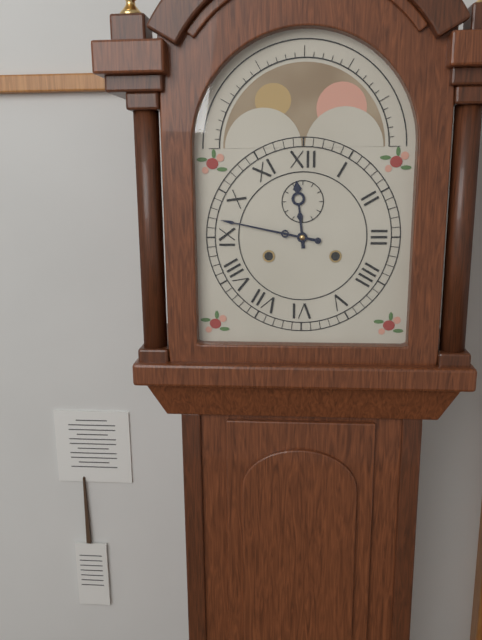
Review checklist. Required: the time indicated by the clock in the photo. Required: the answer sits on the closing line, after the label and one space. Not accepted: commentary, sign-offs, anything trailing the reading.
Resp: 11:47
